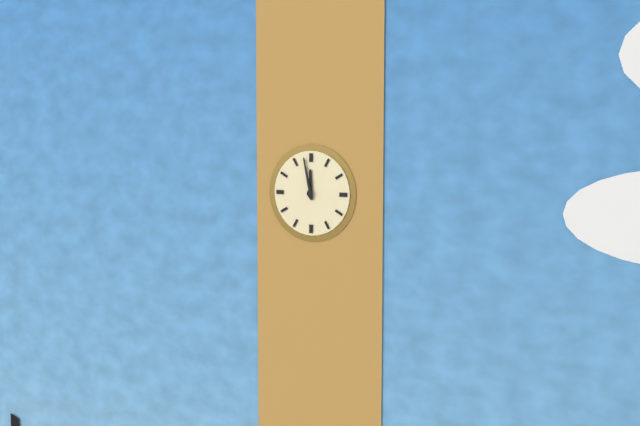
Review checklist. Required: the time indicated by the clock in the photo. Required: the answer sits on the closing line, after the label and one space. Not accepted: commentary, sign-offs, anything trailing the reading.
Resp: 11:58
